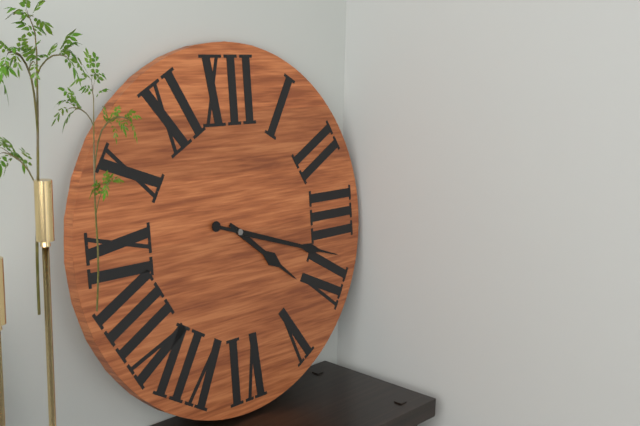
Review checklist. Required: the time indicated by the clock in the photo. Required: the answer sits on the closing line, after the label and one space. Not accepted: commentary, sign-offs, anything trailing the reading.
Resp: 4:18
